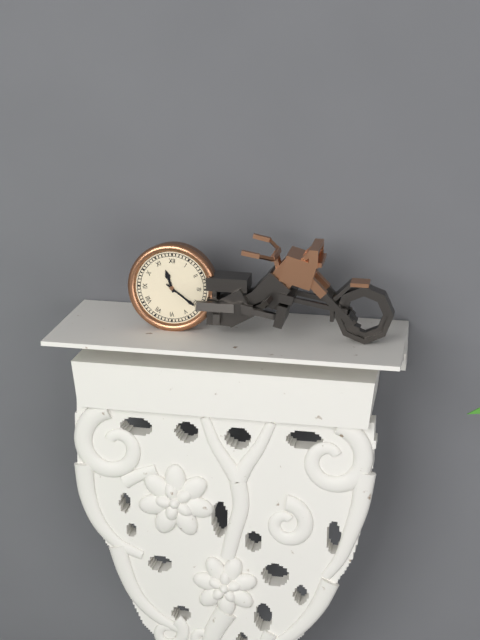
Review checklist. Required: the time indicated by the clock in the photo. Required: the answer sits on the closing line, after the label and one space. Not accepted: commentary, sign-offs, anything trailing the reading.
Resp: 11:21
